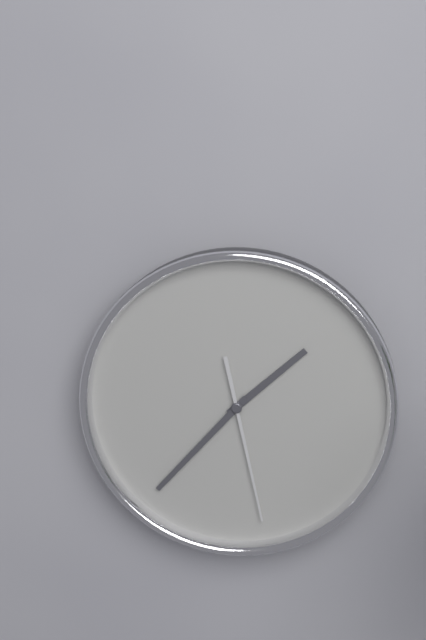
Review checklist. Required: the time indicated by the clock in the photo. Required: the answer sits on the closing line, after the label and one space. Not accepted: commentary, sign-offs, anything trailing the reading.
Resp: 1:37:28
